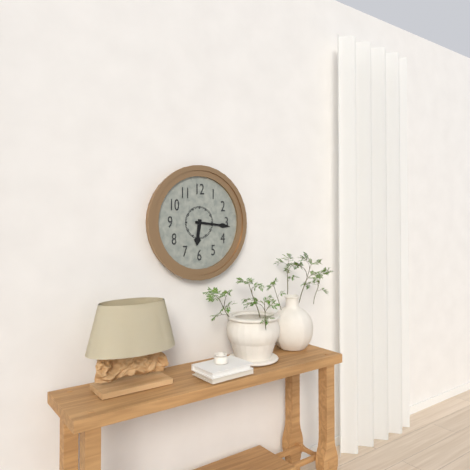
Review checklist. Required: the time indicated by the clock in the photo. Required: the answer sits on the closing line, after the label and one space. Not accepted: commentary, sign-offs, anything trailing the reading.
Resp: 6:16
